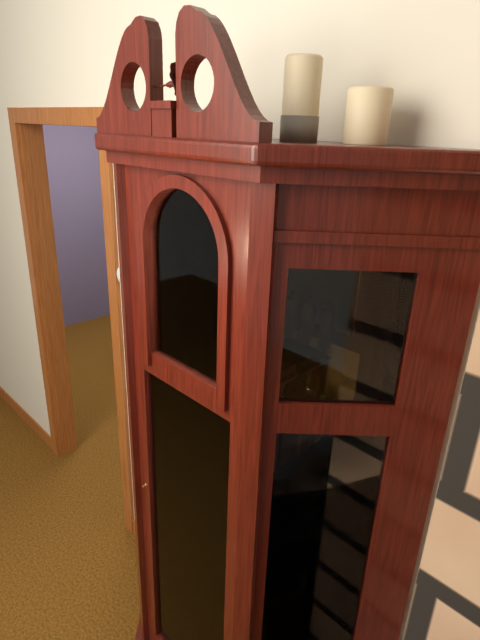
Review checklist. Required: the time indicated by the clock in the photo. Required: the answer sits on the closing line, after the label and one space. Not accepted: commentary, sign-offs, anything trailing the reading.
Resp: 3:19
